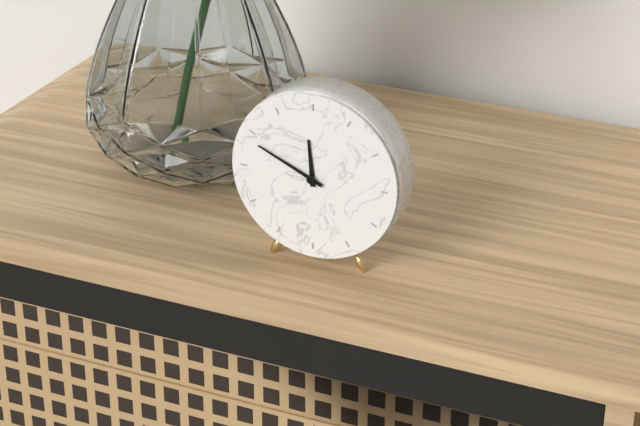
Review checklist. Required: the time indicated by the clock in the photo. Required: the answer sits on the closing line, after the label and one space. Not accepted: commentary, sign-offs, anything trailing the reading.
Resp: 11:49
